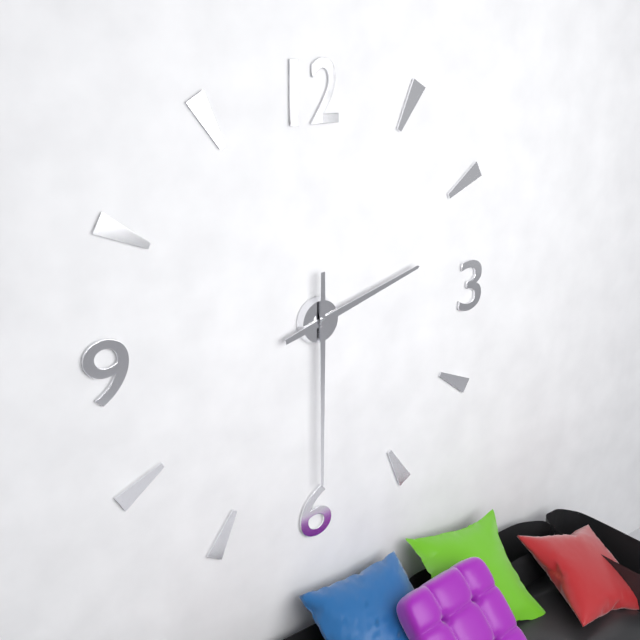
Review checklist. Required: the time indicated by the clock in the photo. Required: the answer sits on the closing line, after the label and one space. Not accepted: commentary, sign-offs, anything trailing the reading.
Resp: 2:30
